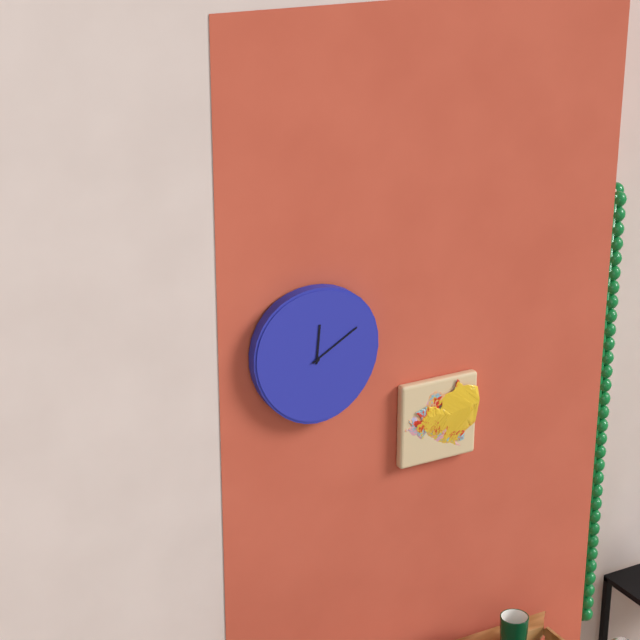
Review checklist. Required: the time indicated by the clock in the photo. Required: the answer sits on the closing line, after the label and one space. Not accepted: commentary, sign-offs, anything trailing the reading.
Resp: 12:10
